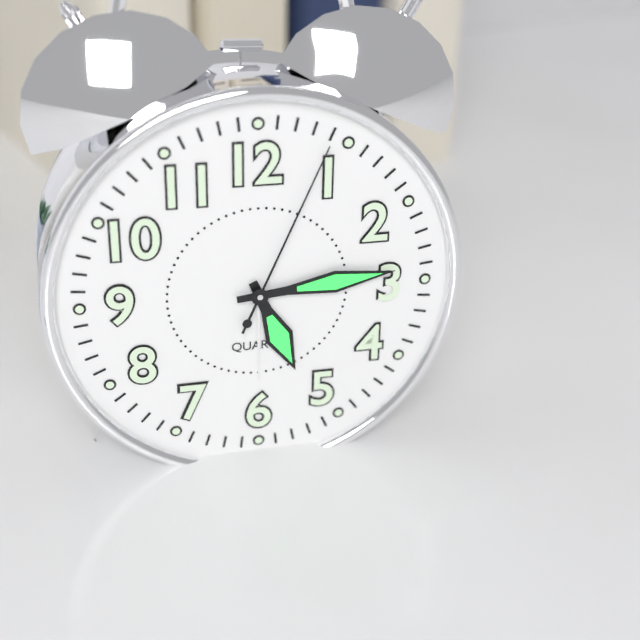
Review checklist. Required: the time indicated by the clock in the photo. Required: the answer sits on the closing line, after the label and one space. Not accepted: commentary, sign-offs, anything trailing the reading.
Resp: 5:14:04
